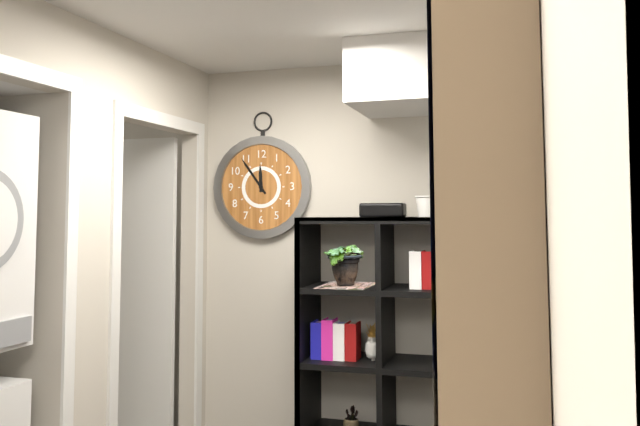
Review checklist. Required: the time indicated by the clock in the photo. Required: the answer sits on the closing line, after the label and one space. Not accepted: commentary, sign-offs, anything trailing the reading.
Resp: 11:54
